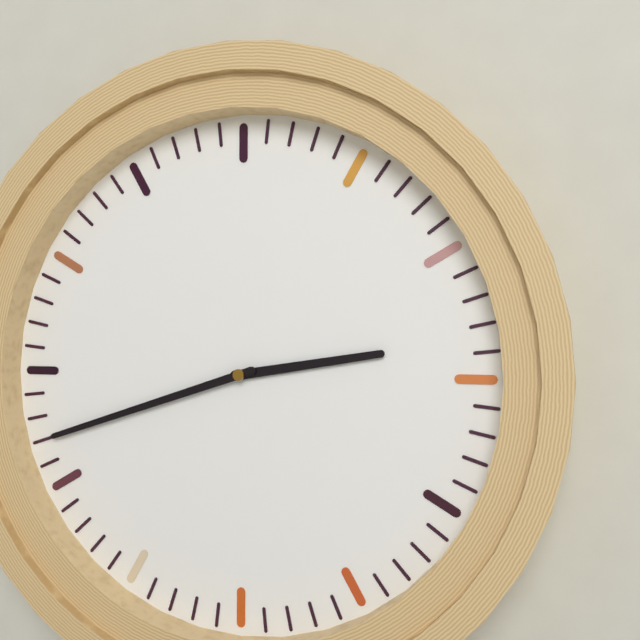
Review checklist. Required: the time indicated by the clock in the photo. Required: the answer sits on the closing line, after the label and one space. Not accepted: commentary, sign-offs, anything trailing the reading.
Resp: 2:42
